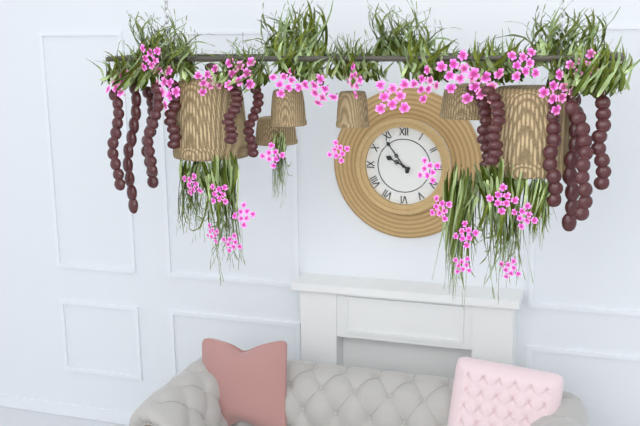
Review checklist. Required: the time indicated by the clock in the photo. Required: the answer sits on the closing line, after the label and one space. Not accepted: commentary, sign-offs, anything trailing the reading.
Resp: 9:54
